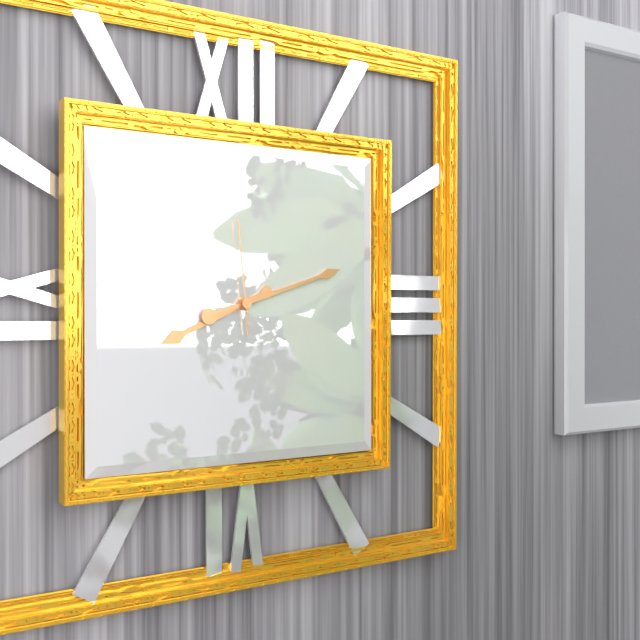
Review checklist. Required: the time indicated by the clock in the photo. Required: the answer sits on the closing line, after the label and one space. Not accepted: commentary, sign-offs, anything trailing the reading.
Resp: 8:12:59
